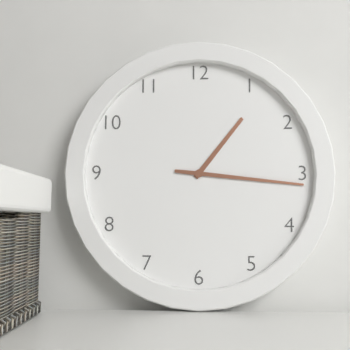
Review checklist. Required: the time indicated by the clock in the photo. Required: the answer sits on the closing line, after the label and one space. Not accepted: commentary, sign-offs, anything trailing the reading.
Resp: 1:16
